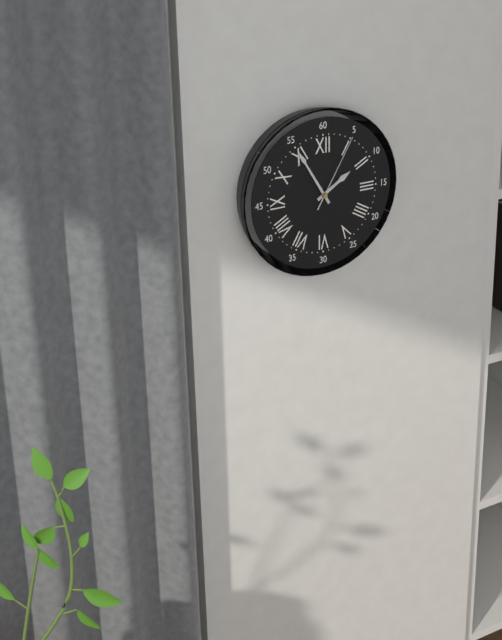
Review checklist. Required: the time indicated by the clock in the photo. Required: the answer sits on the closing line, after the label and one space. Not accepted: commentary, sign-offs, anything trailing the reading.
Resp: 1:55:05
